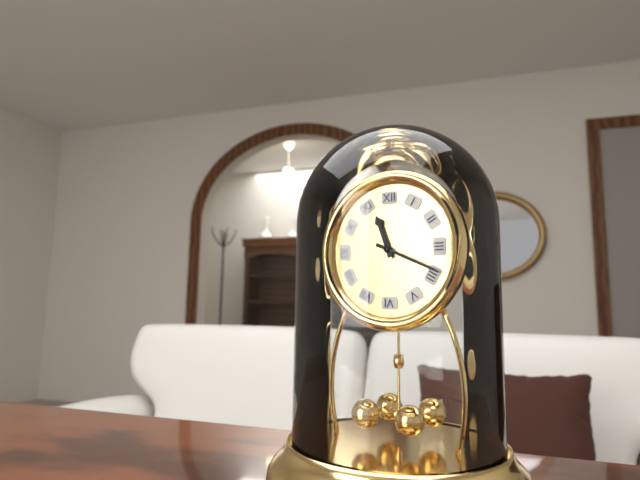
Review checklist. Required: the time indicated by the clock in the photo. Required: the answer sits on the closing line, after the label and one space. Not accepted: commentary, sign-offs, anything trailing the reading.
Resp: 11:19
